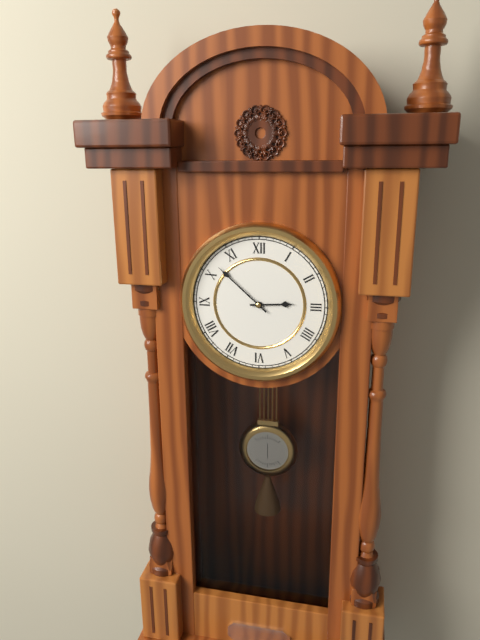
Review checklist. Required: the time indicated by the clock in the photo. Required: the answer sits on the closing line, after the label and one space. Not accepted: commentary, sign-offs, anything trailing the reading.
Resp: 2:52
